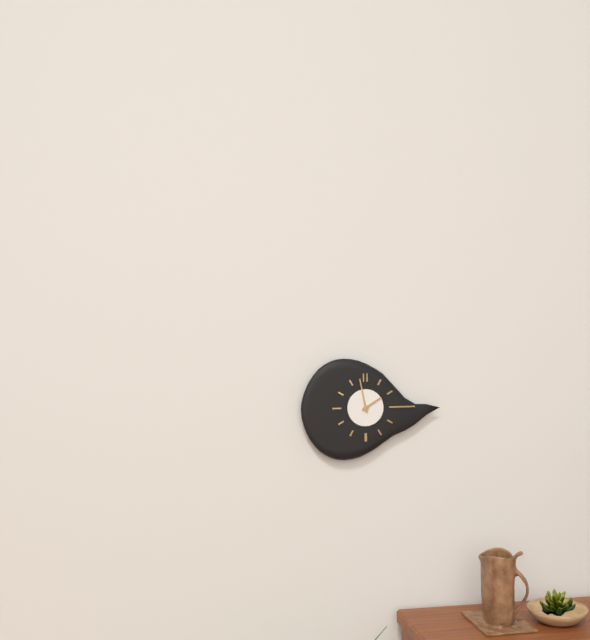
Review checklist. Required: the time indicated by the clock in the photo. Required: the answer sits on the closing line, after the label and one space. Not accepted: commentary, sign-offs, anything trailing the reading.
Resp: 1:58
